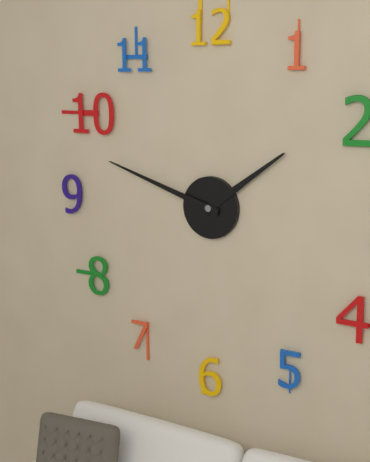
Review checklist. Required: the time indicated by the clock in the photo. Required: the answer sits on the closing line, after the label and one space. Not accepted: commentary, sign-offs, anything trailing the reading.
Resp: 1:48
